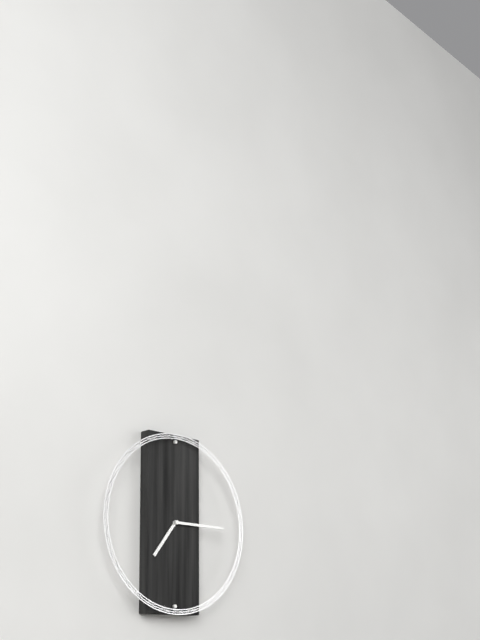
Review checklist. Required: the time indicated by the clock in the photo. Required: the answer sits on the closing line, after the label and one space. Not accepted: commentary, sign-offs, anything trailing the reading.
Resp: 7:15
